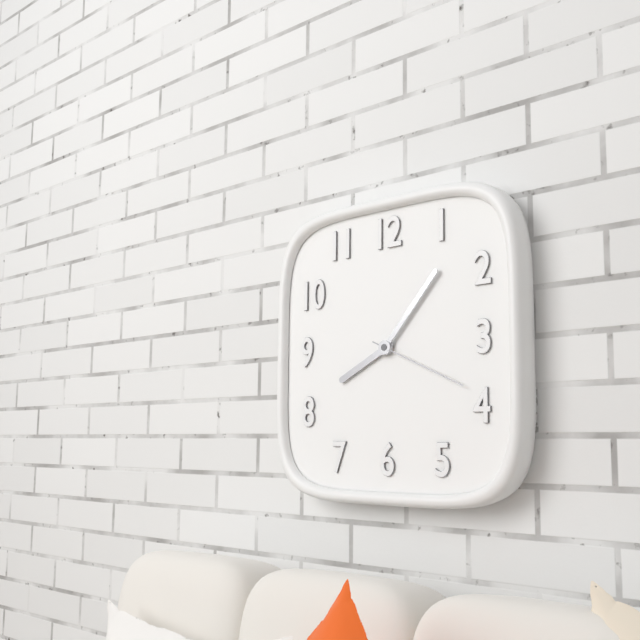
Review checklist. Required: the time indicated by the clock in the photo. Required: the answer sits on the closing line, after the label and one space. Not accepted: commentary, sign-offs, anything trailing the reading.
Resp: 8:07:19
